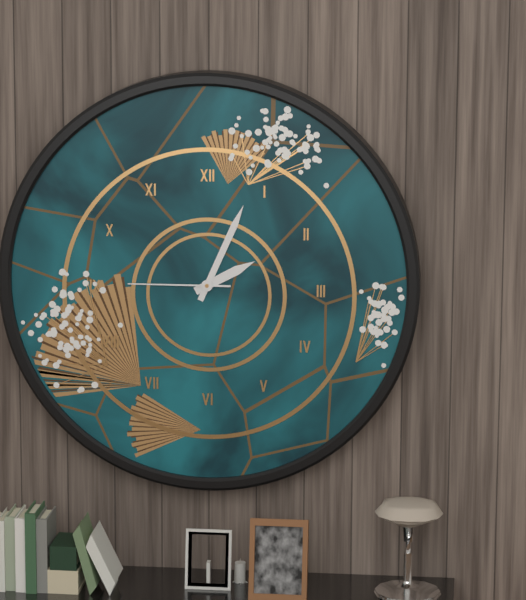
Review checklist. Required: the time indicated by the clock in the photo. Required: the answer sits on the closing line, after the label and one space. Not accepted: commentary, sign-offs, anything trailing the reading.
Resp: 2:04:45
